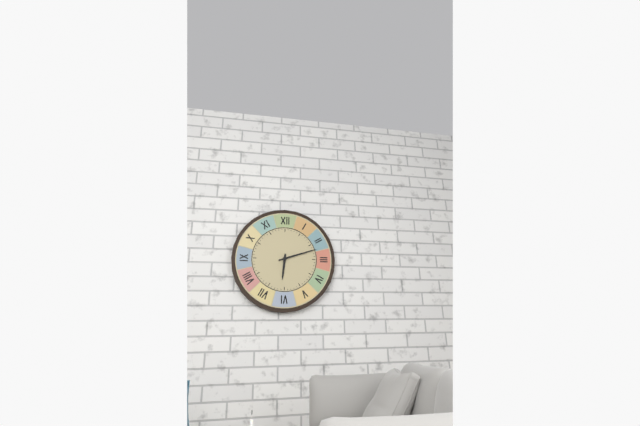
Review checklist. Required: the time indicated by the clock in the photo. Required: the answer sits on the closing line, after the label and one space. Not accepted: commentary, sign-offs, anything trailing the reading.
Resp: 6:12
